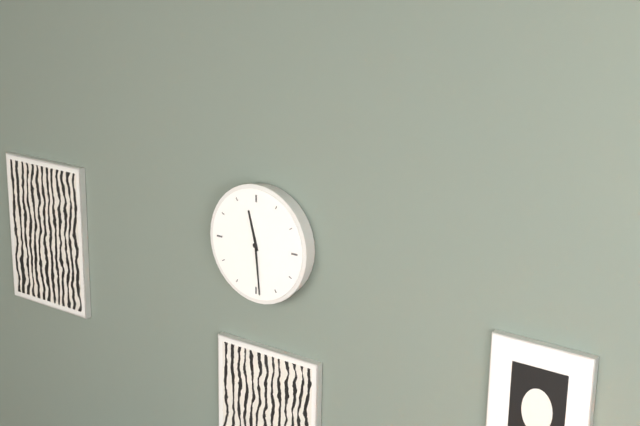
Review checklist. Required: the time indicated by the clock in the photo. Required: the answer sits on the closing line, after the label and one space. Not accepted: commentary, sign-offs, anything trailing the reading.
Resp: 11:29
